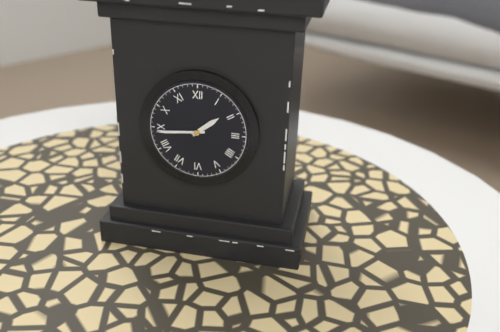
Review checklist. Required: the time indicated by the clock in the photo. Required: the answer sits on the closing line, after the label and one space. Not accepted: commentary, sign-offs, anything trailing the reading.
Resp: 1:44
